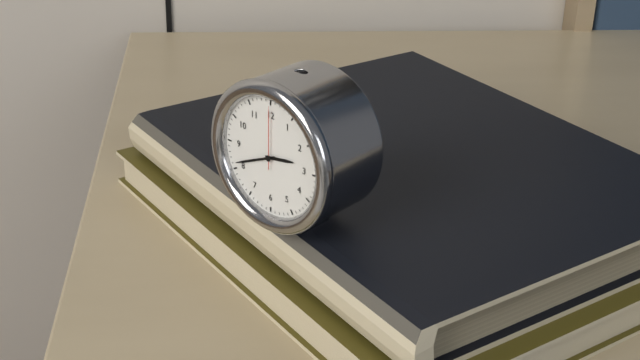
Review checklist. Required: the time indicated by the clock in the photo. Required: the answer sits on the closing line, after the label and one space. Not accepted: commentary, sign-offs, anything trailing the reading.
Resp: 2:41:00
